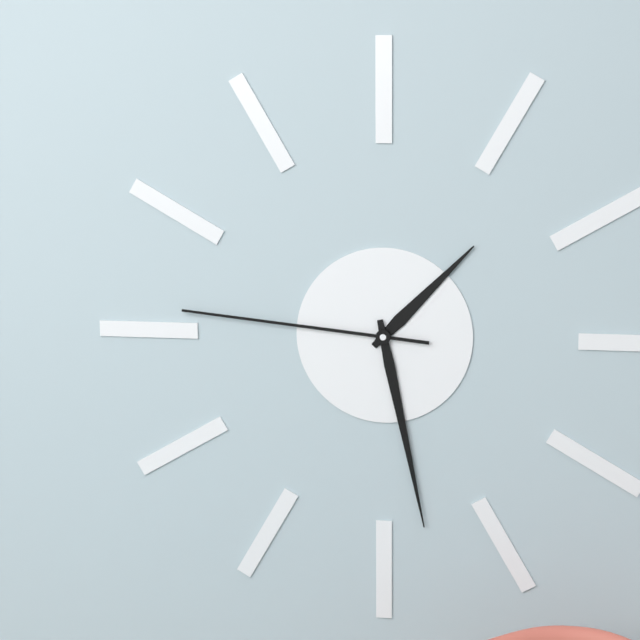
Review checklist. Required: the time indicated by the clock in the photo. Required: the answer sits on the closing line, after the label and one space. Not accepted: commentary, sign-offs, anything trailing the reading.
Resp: 1:28:46
